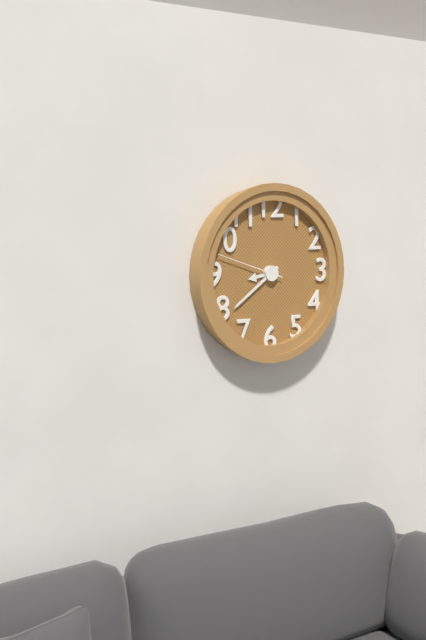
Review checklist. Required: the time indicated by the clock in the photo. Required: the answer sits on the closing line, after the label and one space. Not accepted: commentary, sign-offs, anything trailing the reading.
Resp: 8:39:48
